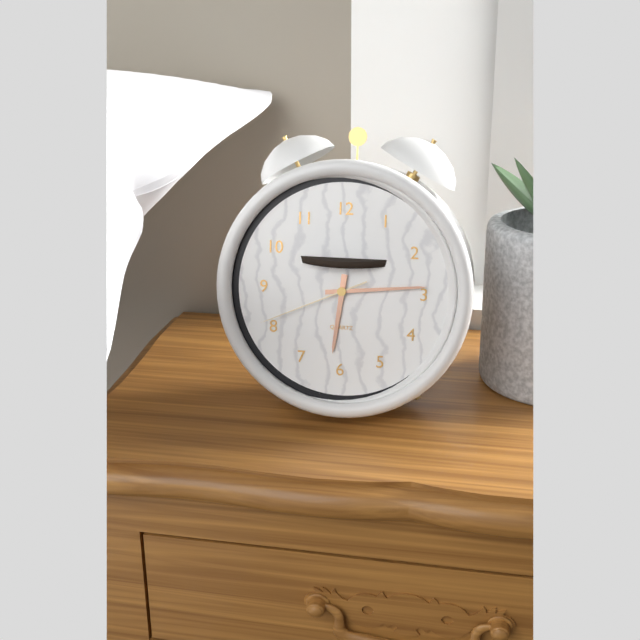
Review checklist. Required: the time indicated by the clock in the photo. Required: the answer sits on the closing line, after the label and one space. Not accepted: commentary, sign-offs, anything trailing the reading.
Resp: 6:14:41
